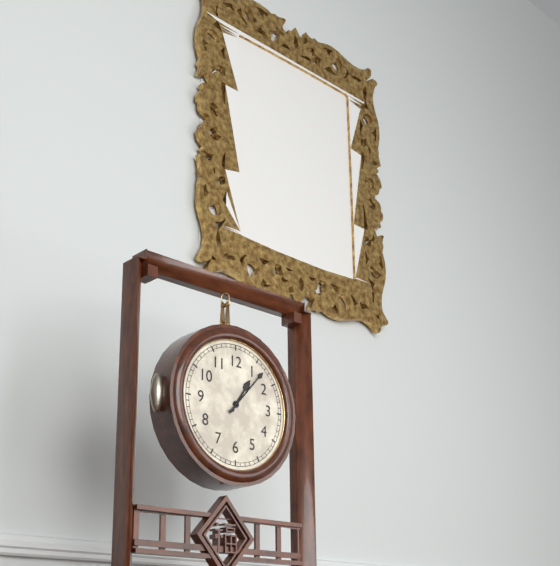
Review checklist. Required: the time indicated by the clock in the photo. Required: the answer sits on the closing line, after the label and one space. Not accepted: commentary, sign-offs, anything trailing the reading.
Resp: 1:07
